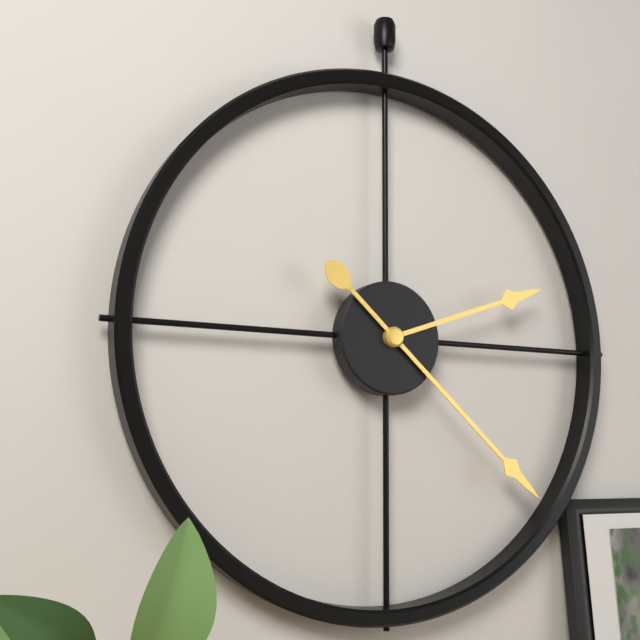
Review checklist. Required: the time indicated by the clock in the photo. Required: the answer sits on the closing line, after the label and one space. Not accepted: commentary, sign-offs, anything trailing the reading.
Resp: 2:22
